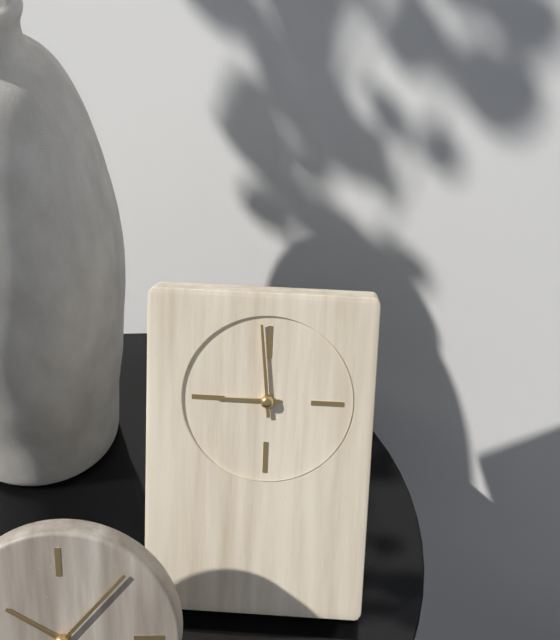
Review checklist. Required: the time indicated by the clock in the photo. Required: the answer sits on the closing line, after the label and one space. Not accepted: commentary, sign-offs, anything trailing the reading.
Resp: 8:59
